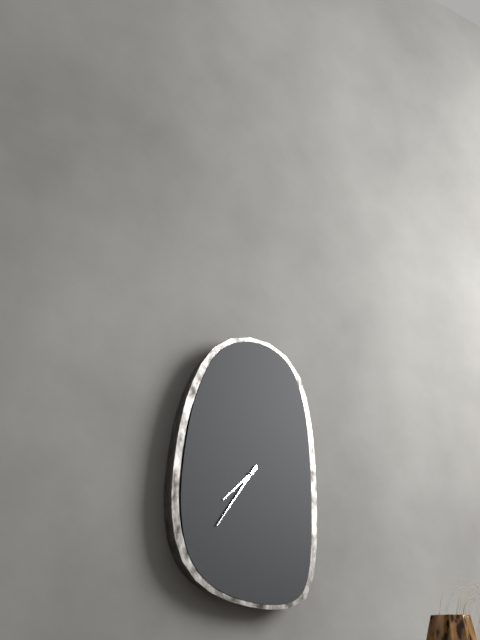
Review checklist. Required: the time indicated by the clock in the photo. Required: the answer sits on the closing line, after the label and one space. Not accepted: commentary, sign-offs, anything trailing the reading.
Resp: 7:36
